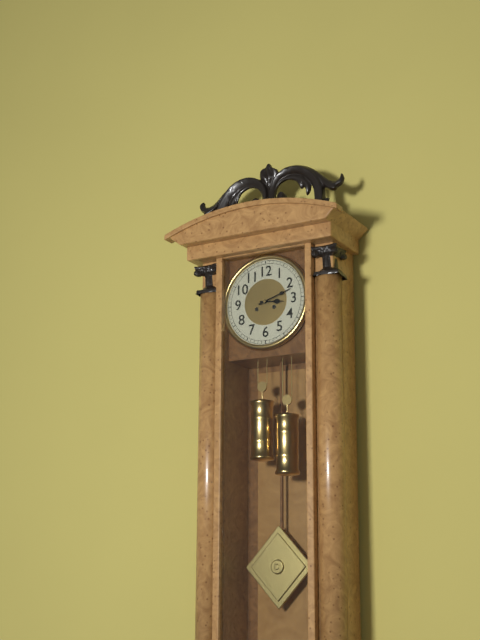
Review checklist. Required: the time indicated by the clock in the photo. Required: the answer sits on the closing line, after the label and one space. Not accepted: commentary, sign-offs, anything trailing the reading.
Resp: 3:12
